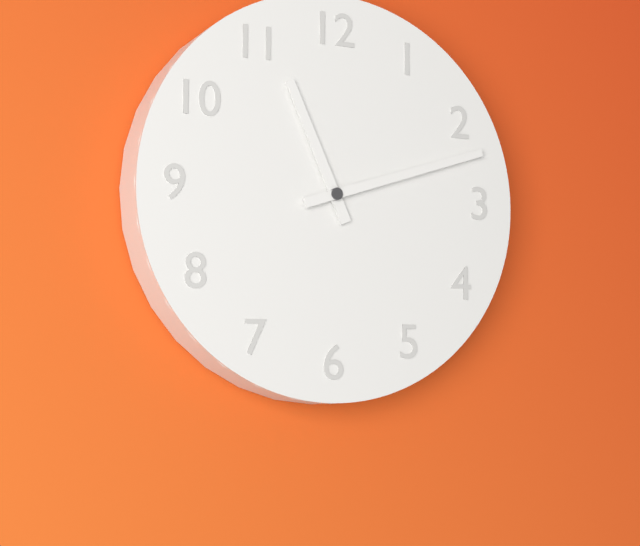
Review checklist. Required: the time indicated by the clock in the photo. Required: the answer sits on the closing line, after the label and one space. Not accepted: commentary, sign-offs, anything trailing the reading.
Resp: 11:12
